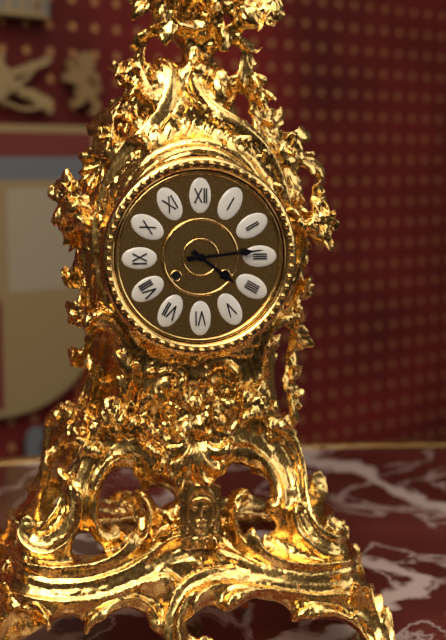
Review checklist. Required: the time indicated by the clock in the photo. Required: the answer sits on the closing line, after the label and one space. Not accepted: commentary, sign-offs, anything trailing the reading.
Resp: 4:14
